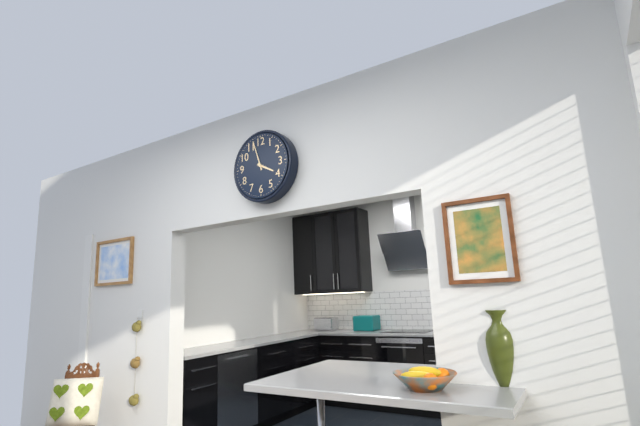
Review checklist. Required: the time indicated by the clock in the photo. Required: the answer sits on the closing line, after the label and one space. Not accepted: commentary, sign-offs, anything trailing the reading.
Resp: 3:57
